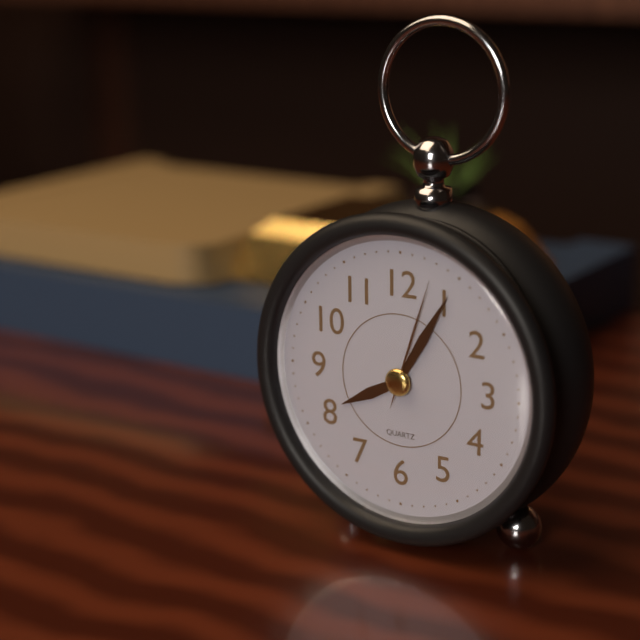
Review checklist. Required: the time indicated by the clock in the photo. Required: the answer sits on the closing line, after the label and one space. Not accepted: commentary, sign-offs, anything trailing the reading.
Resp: 8:05:03
